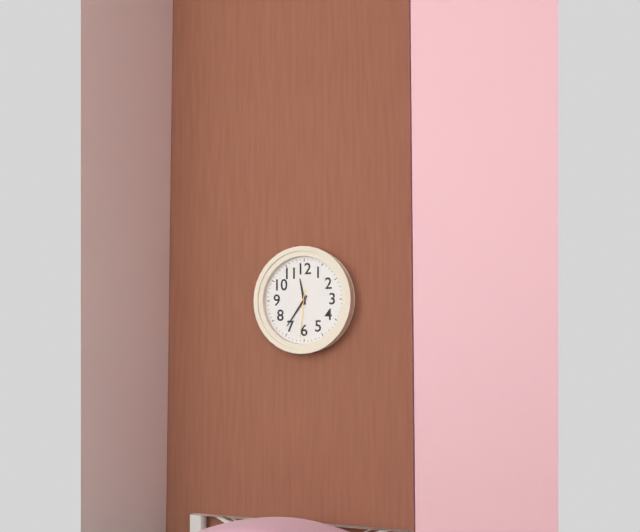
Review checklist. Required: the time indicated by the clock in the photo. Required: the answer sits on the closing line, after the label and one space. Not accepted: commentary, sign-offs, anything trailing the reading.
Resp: 11:36
